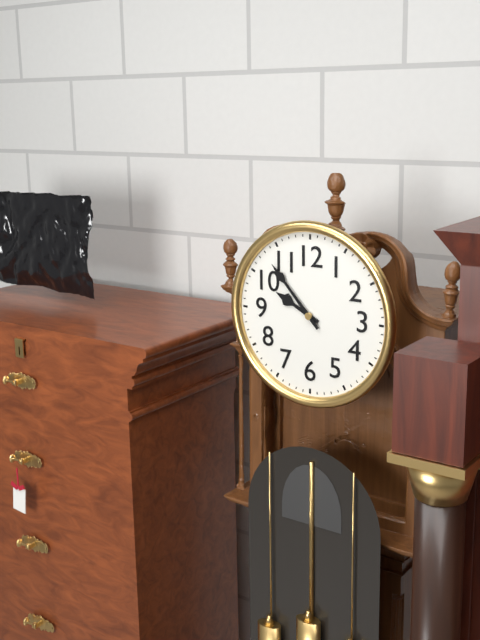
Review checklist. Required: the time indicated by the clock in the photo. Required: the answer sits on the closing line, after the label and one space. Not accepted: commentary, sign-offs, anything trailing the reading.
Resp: 9:53
